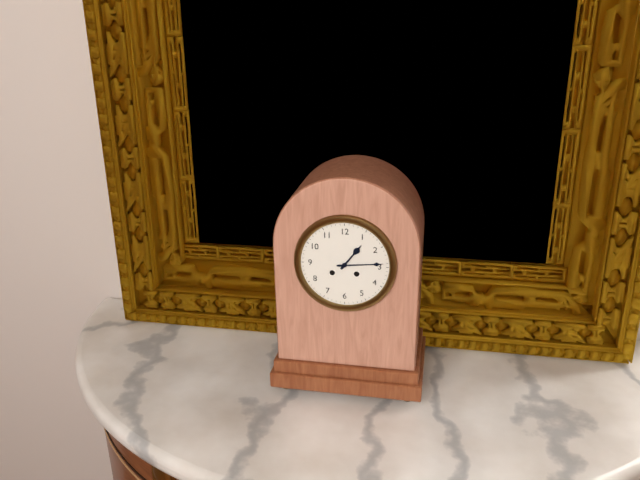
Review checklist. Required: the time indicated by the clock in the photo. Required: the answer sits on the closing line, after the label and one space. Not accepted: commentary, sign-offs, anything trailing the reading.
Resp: 1:14
